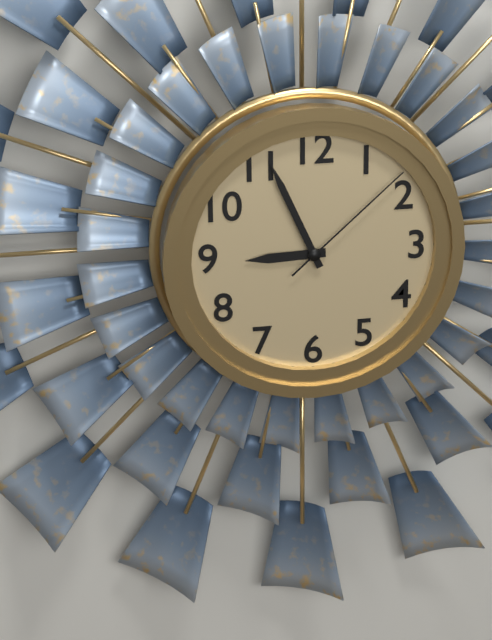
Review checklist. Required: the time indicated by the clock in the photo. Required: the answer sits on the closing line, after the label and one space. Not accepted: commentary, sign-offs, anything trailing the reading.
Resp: 8:56:08
